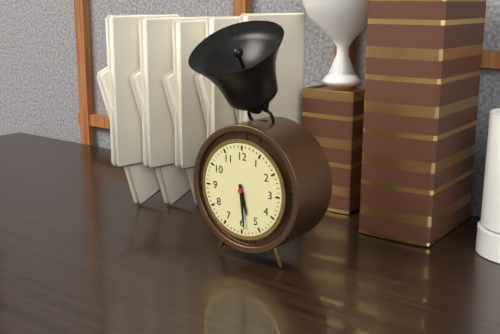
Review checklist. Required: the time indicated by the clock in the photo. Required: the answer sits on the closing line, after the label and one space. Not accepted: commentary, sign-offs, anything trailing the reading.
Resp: 5:29
